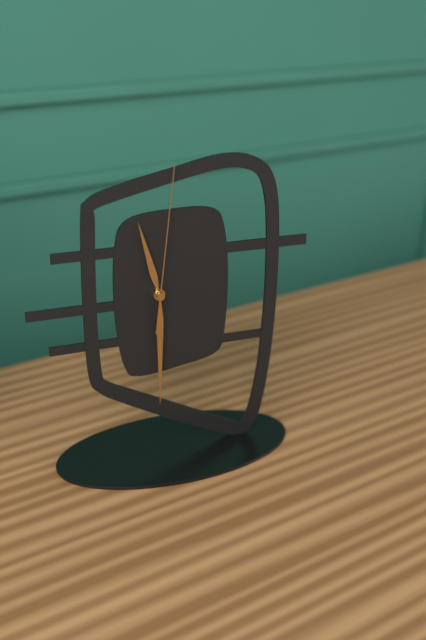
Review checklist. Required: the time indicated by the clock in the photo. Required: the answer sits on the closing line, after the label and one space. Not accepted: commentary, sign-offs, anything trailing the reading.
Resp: 11:30:01
